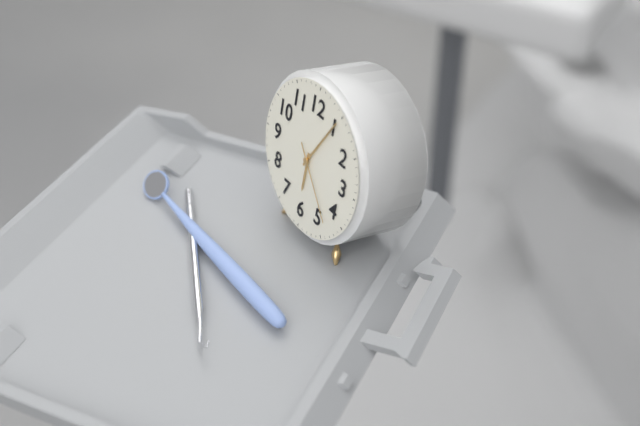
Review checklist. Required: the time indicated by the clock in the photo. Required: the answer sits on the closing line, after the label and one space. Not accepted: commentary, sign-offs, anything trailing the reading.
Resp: 6:05:23
